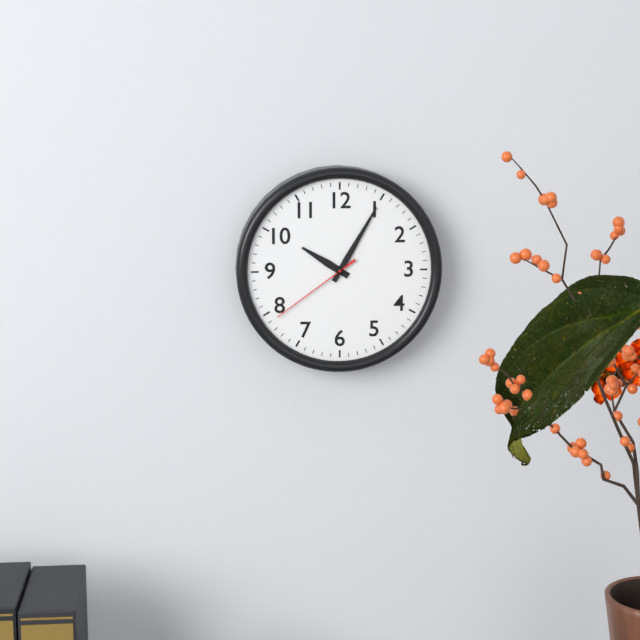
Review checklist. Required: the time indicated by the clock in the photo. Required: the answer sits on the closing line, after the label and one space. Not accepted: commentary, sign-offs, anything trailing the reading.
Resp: 10:05:39
